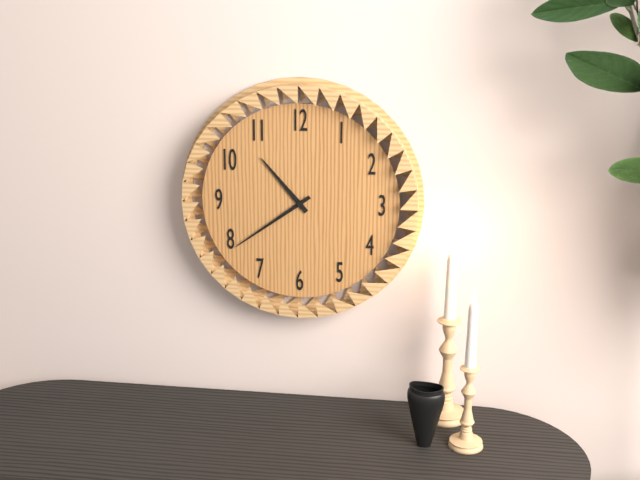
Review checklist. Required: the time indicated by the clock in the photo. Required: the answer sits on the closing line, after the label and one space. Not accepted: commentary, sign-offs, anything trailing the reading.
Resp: 10:39
